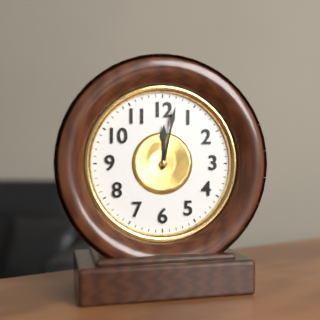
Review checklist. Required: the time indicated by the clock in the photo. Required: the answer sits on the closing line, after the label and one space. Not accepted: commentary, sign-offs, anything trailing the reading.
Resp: 12:02
